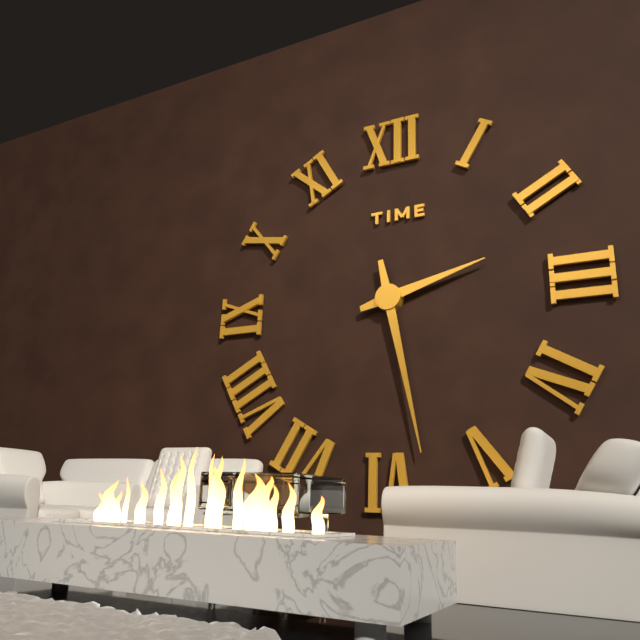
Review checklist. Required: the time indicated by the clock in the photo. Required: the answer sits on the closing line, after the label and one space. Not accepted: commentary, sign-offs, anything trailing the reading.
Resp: 2:28
